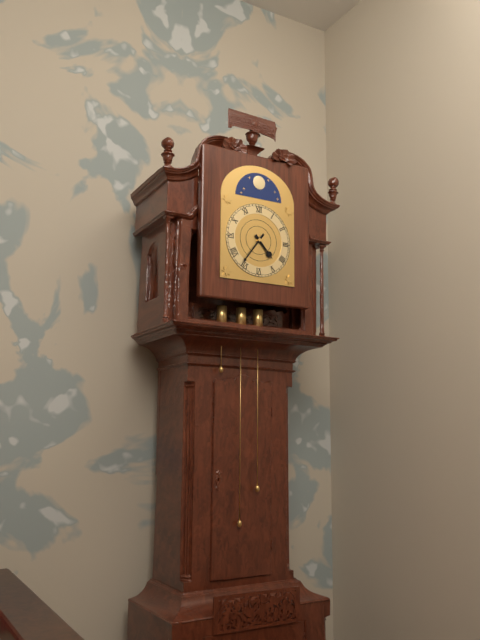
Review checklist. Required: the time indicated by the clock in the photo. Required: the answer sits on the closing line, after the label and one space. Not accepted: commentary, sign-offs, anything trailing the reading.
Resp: 4:36
